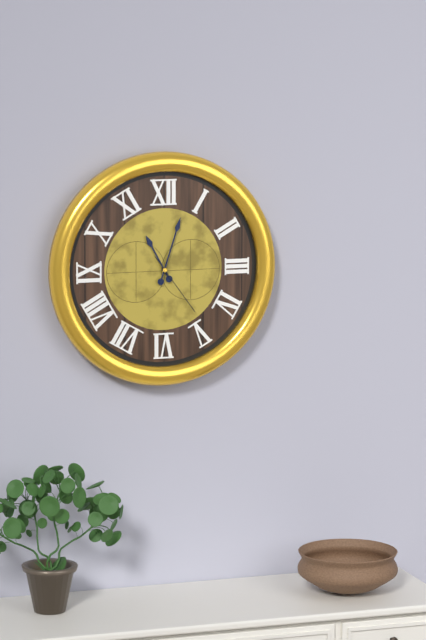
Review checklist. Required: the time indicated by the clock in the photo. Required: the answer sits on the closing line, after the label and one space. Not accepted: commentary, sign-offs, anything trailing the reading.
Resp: 11:03:24
